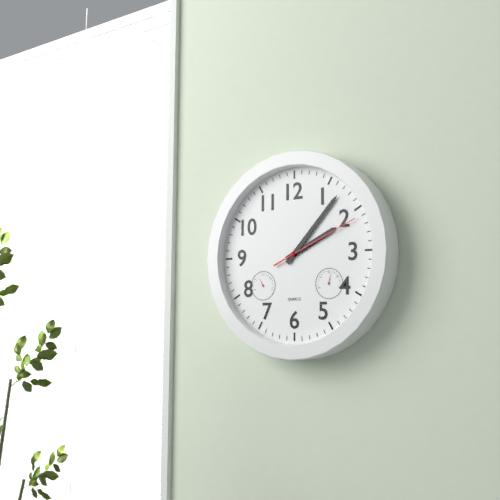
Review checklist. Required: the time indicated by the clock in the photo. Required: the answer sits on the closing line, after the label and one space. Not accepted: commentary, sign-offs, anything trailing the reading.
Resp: 2:07:11
